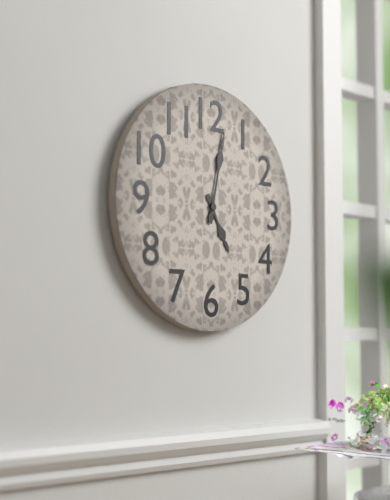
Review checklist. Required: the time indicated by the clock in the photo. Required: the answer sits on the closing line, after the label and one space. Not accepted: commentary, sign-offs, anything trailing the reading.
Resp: 5:02
